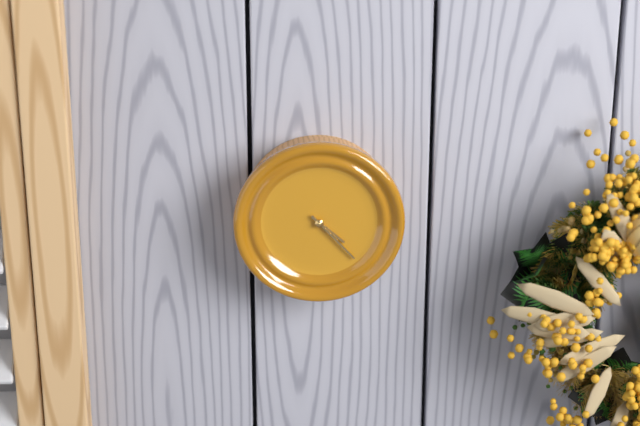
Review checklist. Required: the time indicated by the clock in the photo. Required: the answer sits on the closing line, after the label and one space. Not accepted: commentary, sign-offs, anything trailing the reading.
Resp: 4:23
